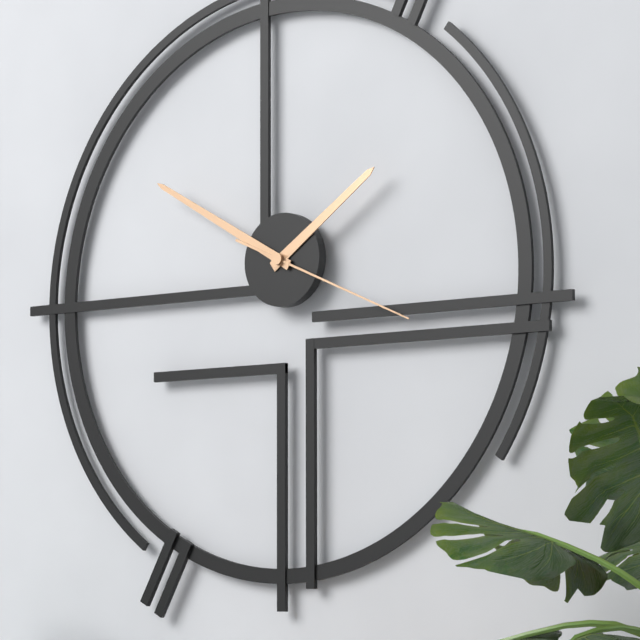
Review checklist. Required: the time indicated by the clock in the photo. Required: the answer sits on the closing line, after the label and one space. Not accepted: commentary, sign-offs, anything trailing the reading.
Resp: 1:50:19
